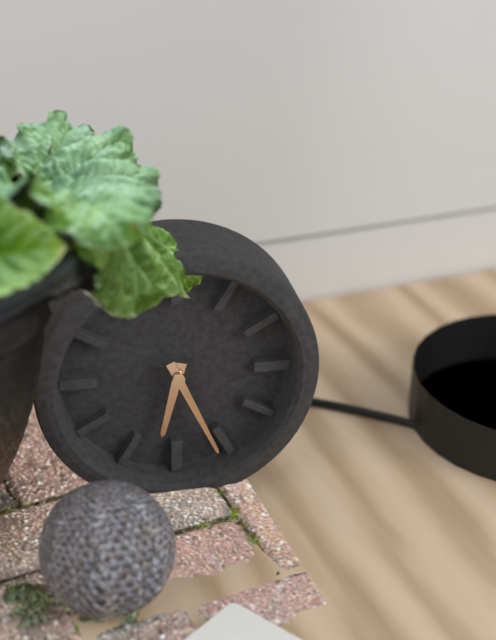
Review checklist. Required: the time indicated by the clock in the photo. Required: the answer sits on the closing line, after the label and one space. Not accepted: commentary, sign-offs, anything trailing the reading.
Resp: 6:26
